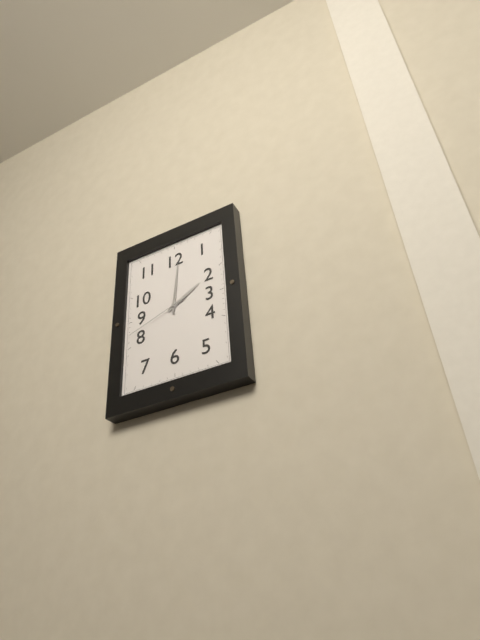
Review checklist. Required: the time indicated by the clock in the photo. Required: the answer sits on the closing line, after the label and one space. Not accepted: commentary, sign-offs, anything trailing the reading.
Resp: 2:01:42
